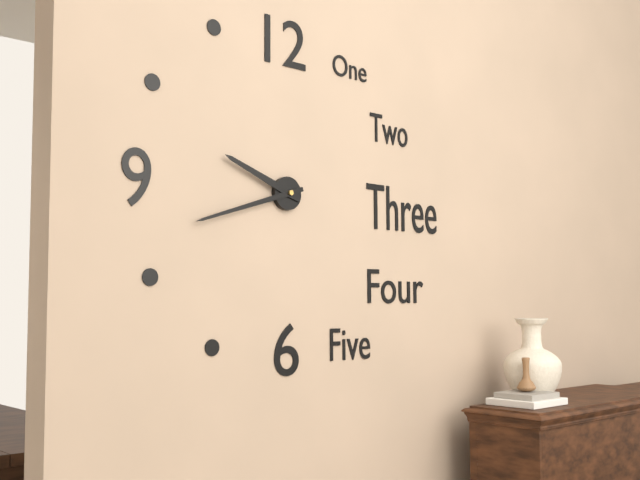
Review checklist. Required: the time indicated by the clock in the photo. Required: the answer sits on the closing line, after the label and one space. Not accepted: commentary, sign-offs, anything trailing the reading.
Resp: 9:42
